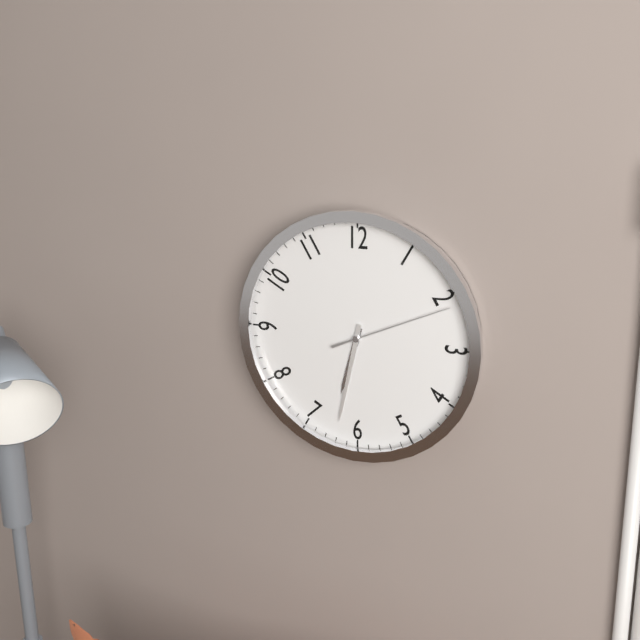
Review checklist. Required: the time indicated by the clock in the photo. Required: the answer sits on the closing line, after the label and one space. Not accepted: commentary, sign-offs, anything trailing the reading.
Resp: 6:32:11
